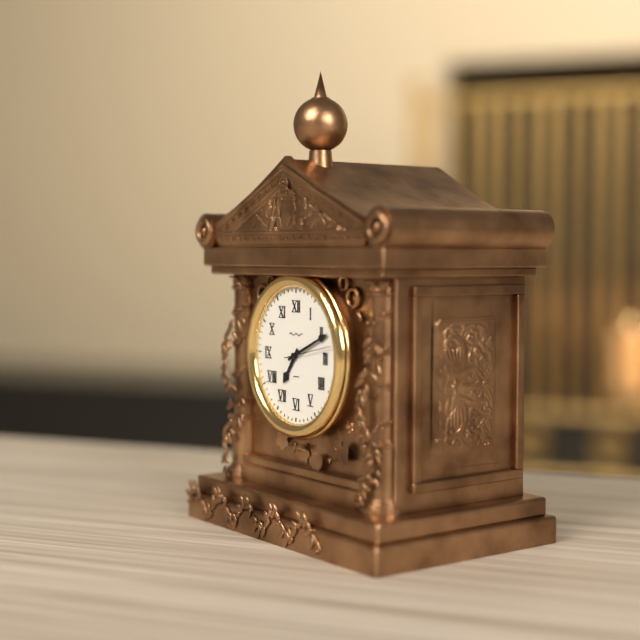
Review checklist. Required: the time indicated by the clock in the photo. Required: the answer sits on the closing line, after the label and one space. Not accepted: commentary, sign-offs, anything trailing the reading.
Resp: 7:11
